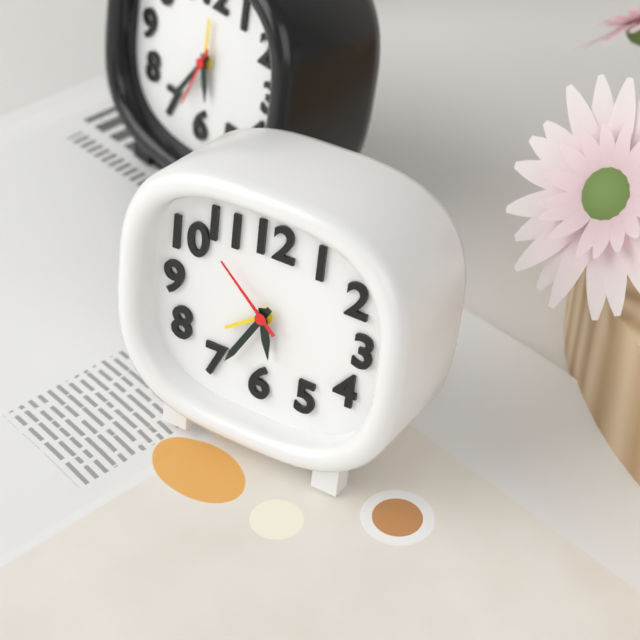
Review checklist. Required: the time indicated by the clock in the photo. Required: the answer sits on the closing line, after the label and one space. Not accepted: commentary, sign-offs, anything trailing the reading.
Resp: 5:35:52
